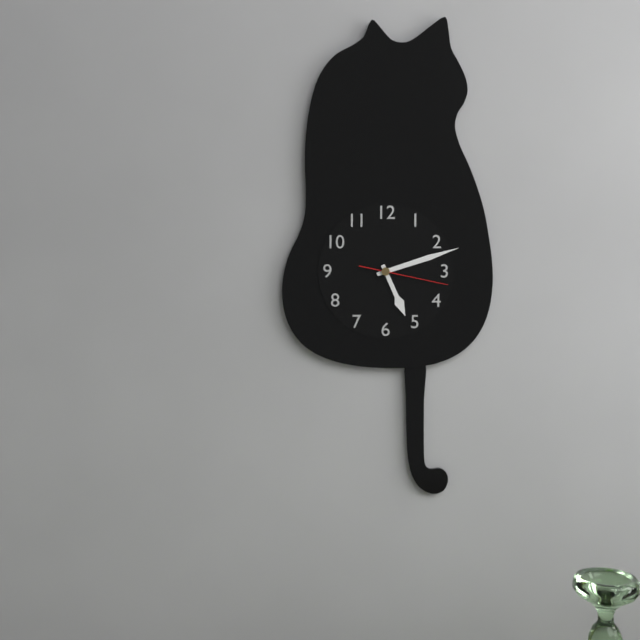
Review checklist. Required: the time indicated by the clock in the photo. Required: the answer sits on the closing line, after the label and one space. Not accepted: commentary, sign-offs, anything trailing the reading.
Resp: 5:12:17
